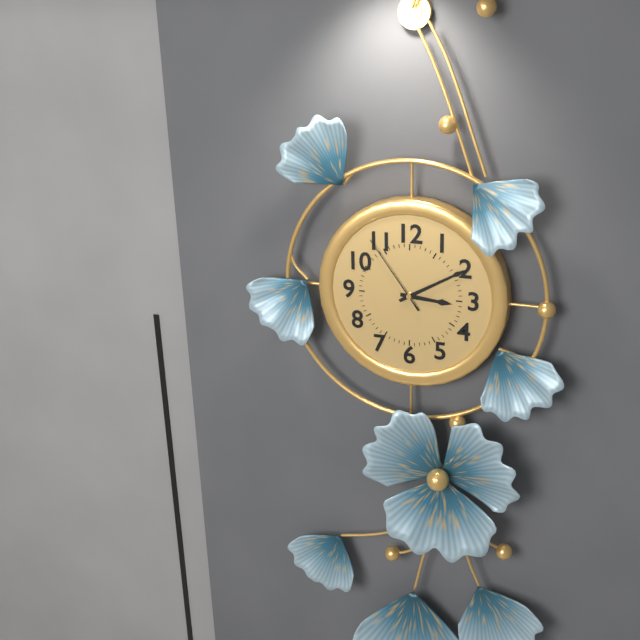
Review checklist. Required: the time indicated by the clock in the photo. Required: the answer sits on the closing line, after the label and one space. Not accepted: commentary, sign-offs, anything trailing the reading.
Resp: 3:10:54
